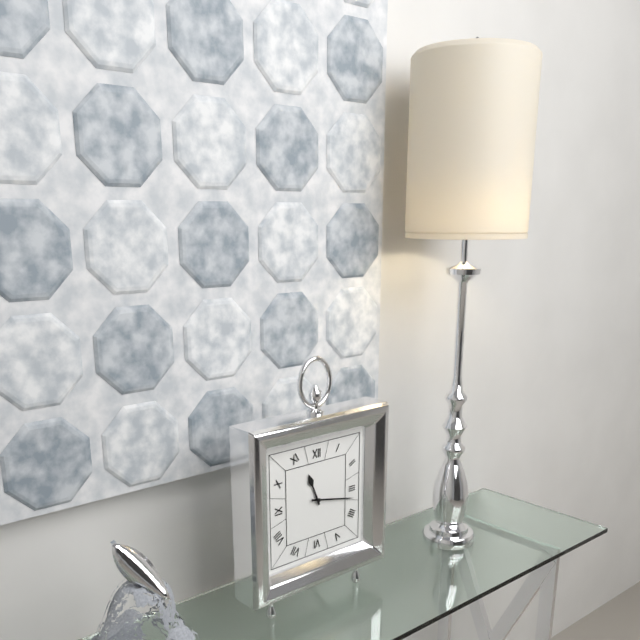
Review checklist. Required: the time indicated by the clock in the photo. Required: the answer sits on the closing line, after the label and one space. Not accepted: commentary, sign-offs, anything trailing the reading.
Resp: 11:17
